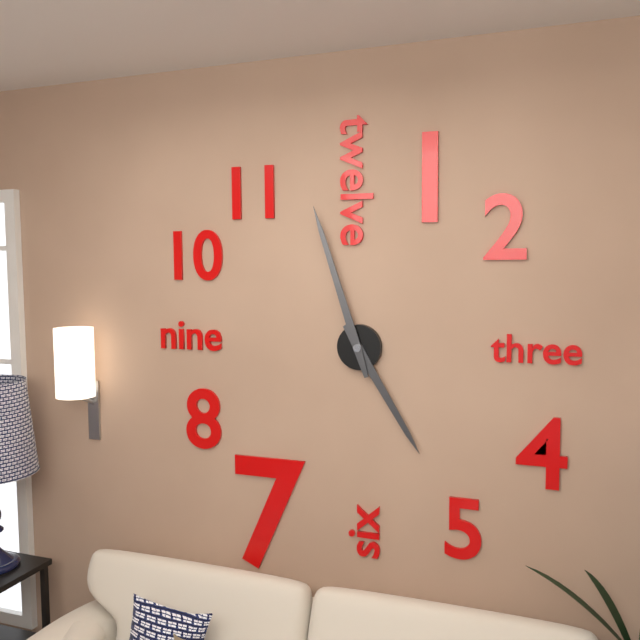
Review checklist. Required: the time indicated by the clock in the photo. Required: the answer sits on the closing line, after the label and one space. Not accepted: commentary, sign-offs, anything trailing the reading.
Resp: 4:57
